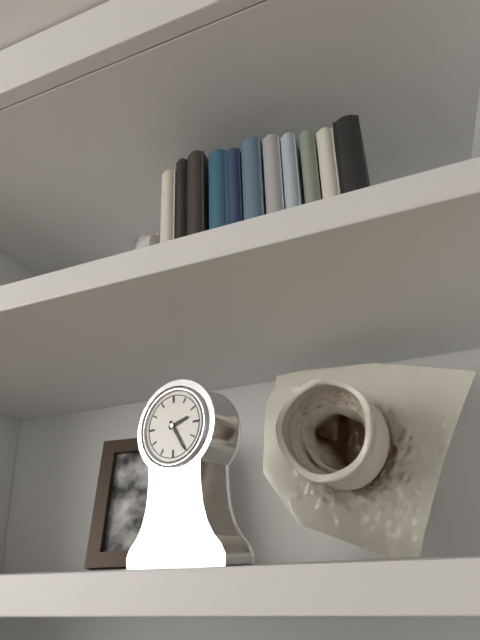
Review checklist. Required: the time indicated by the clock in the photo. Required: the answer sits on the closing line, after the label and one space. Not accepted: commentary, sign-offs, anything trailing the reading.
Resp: 2:25
